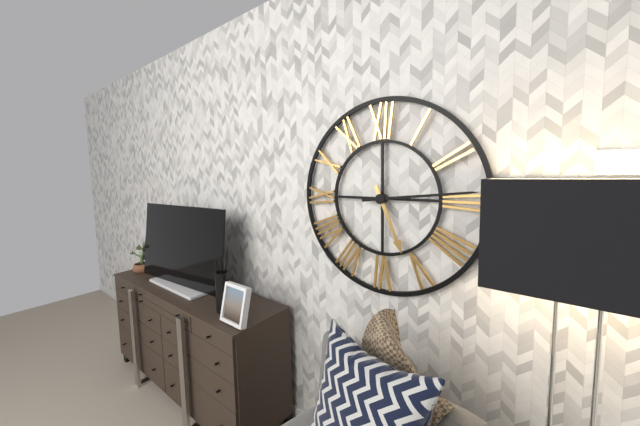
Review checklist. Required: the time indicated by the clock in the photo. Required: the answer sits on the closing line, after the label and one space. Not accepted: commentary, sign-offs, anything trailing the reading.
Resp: 5:14
